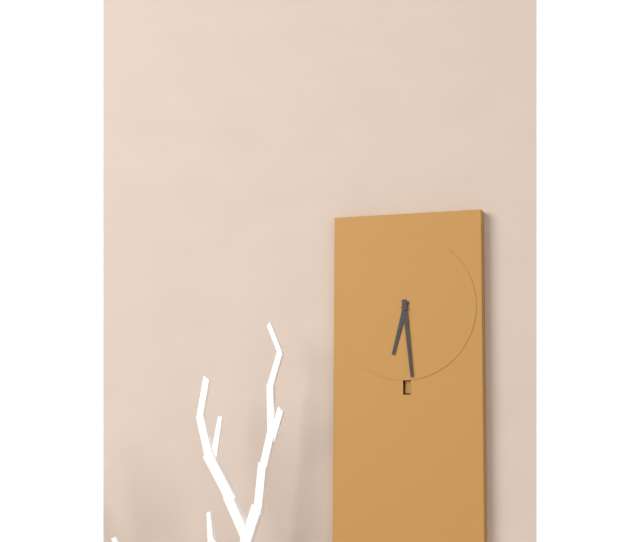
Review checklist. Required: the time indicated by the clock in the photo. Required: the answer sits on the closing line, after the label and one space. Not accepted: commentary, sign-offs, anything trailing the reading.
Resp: 6:29
